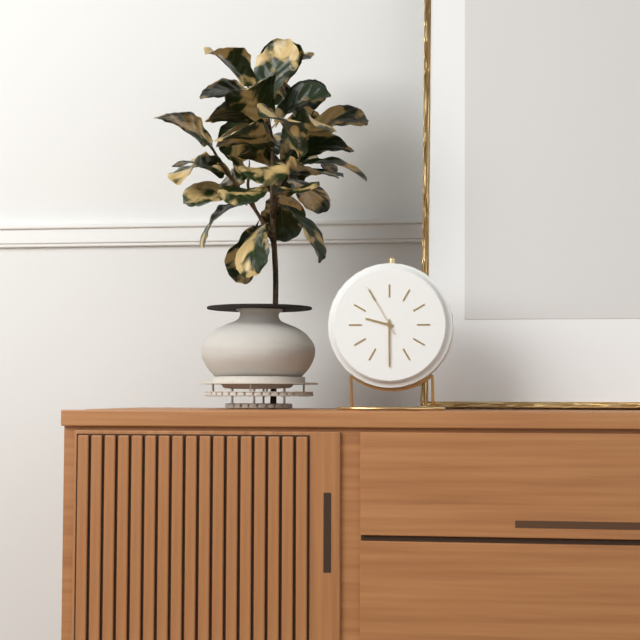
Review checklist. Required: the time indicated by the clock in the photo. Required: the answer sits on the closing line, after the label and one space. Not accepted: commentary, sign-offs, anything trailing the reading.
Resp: 9:30:55
